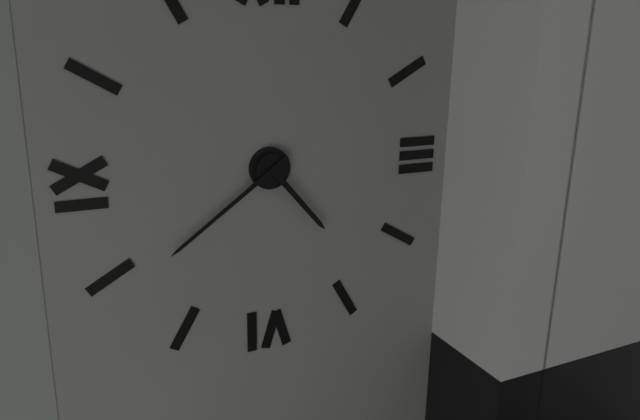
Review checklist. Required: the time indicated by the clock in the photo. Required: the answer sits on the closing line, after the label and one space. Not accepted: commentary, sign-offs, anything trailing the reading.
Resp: 4:39
